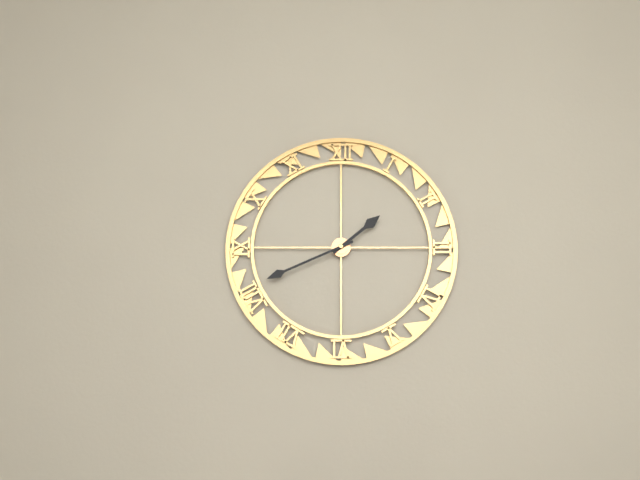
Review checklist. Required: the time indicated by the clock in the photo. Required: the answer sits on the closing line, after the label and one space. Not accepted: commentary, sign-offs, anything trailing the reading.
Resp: 1:41
